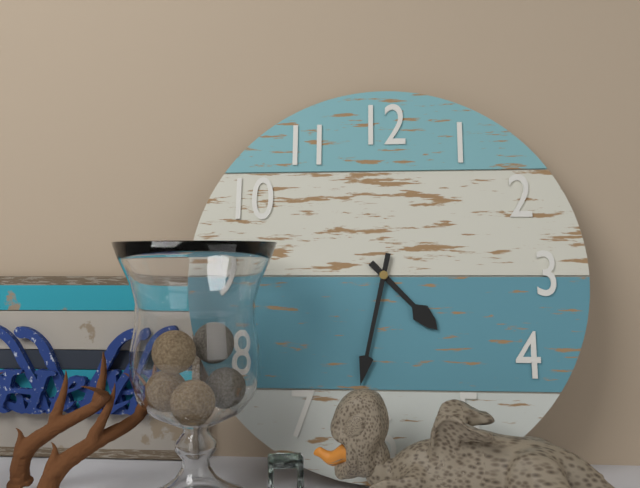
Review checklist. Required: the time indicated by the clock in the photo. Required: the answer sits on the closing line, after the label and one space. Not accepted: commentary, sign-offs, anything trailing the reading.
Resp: 4:32
